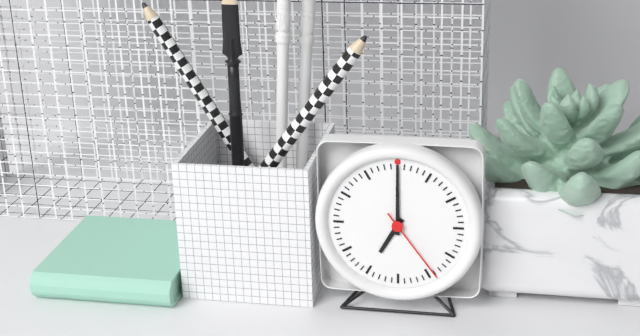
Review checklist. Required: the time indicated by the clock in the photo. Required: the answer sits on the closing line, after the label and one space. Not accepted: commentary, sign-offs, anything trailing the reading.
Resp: 7:00:24
